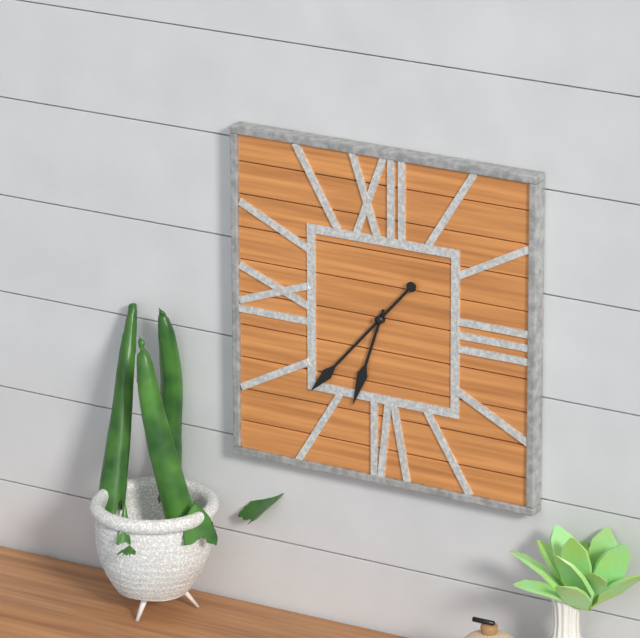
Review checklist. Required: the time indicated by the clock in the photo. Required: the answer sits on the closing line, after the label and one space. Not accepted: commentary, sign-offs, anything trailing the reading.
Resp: 6:37
